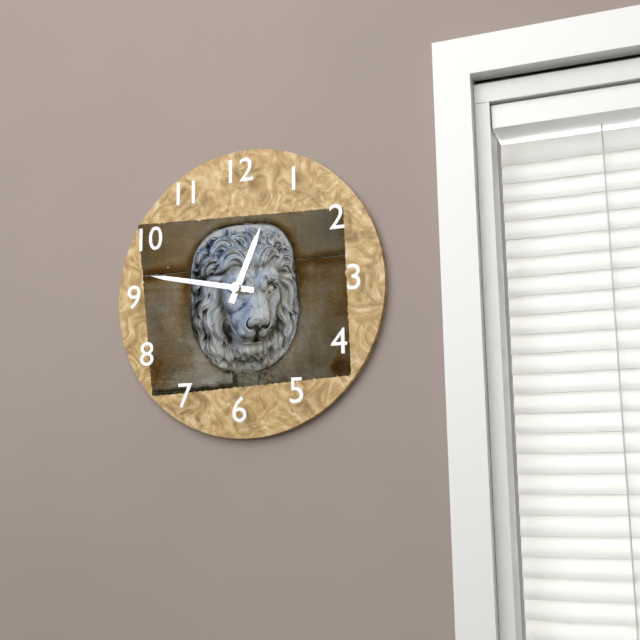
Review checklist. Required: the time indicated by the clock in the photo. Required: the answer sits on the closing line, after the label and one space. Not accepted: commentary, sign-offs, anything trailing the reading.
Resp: 12:47
